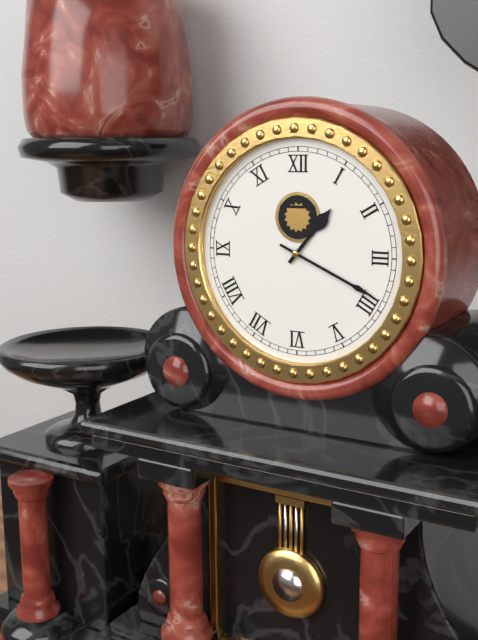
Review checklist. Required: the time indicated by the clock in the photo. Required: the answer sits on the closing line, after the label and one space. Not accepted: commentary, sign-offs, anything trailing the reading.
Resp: 1:19
